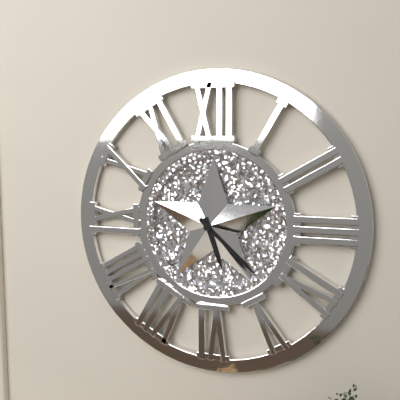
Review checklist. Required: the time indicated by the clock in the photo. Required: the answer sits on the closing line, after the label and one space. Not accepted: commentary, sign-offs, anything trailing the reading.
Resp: 5:22
